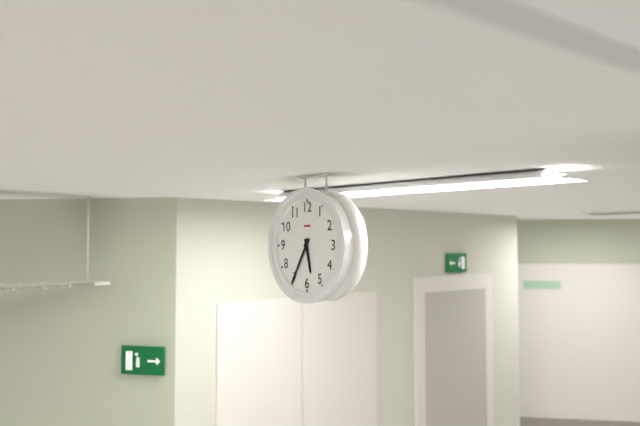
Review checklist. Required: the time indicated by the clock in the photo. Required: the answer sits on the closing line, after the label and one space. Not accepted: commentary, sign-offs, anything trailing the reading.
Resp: 5:35
